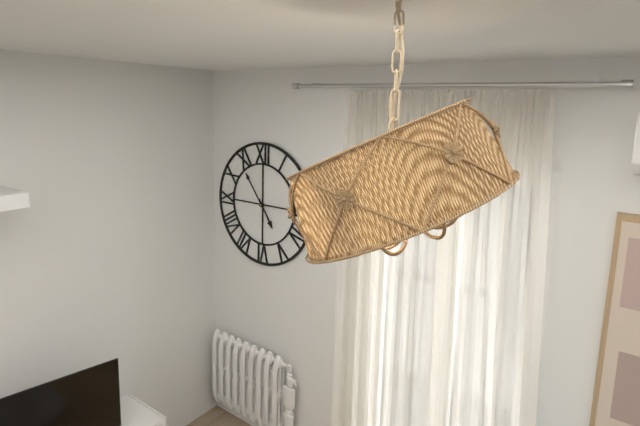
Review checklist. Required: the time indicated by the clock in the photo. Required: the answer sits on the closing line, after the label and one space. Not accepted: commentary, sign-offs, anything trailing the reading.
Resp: 4:54
